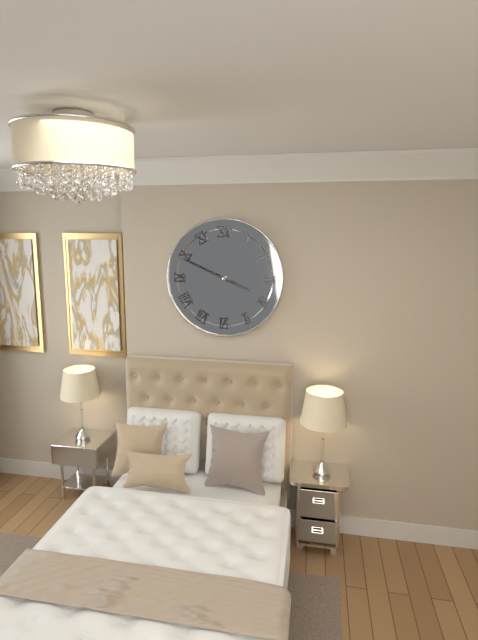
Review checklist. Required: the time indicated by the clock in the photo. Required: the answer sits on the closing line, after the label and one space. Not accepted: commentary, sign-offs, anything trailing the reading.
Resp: 3:49
